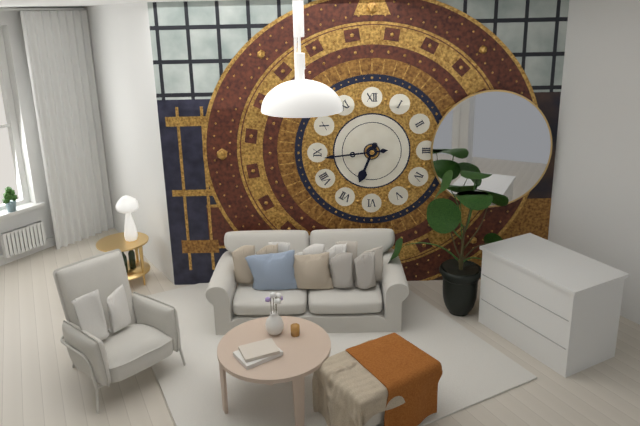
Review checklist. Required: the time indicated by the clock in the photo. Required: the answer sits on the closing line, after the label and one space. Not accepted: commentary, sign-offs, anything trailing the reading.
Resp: 6:44
